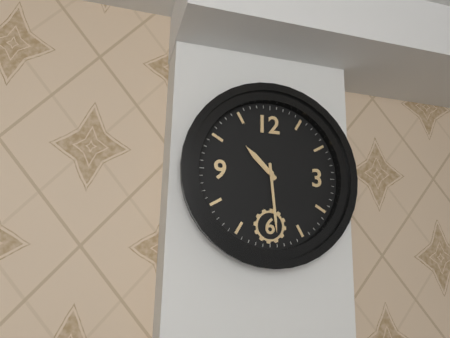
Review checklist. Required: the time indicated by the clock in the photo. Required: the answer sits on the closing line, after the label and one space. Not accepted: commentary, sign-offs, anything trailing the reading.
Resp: 10:29
